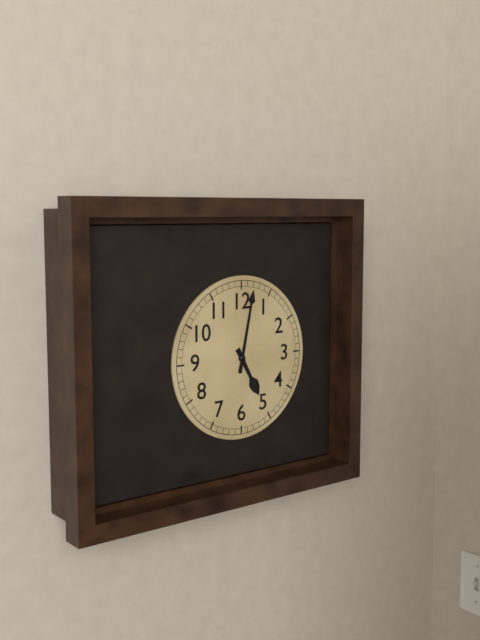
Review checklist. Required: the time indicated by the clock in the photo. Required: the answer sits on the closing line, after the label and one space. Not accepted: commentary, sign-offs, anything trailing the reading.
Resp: 5:02
